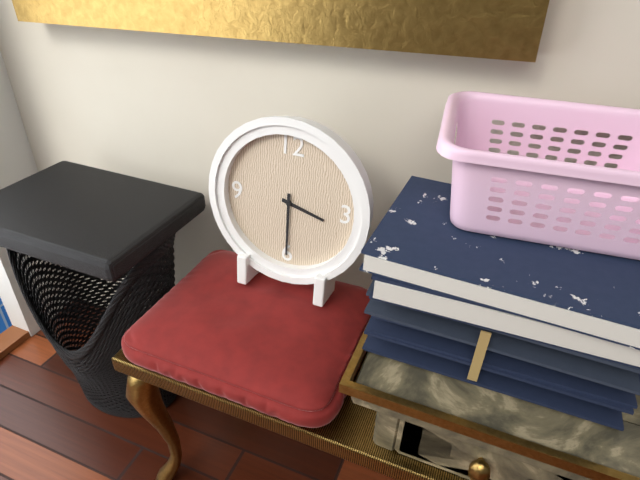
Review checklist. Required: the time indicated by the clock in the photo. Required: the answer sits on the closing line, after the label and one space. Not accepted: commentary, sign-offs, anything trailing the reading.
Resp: 3:30
